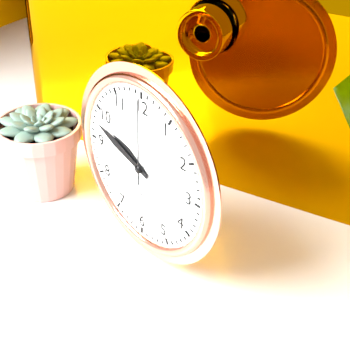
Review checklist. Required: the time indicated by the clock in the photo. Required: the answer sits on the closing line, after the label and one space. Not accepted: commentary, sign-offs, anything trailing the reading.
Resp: 9:48:00
